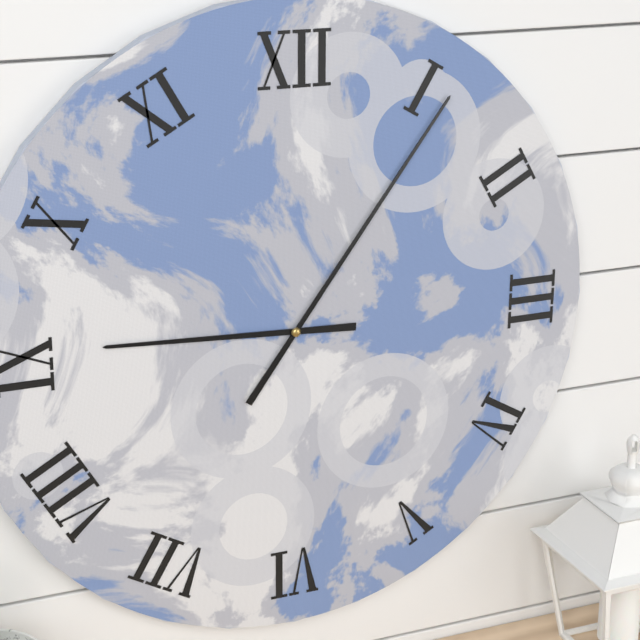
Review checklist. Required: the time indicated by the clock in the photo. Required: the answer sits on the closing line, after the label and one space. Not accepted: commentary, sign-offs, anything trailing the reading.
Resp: 9:06
